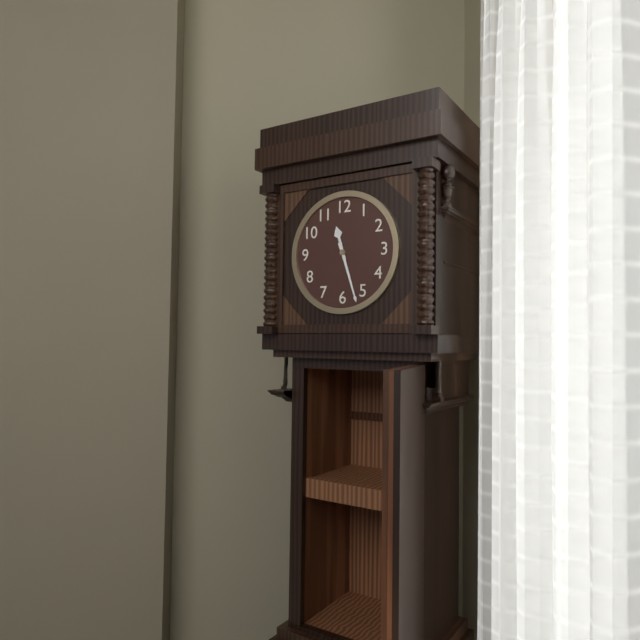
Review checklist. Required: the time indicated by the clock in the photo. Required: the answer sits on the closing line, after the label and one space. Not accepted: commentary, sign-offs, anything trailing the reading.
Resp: 11:27
